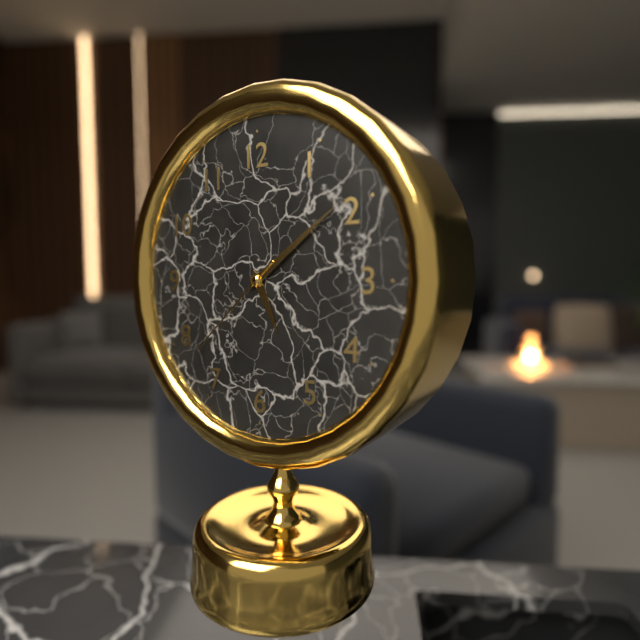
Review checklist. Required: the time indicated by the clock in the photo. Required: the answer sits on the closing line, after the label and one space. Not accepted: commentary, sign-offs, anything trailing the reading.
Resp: 5:09:38
